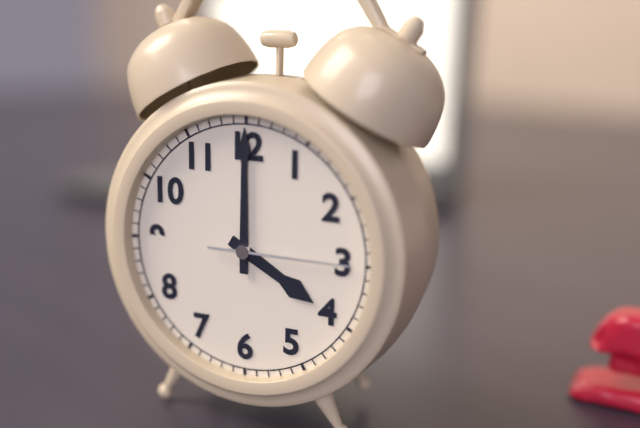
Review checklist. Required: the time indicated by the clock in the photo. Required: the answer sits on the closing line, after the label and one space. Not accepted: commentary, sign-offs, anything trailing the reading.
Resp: 4:00:15
